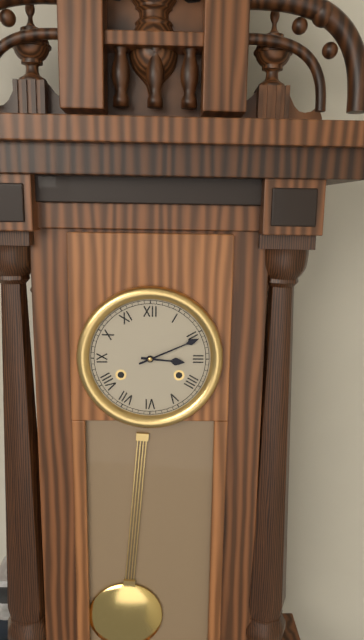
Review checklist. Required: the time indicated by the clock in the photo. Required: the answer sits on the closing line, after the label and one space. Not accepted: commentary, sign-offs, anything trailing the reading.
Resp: 3:11
